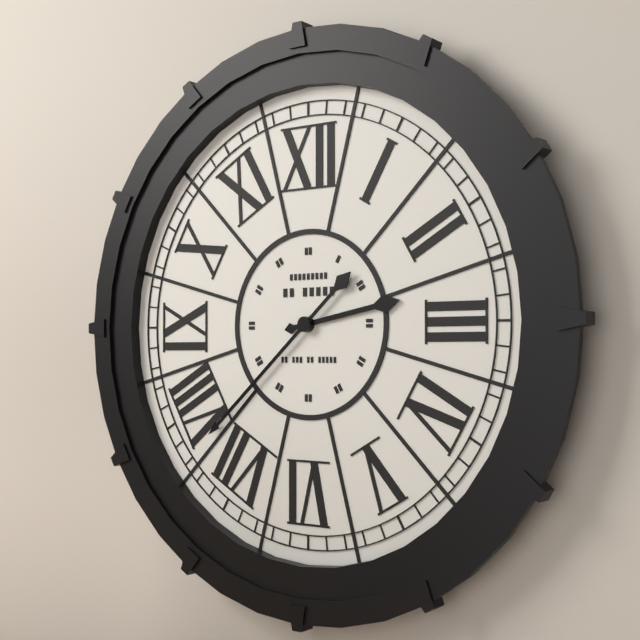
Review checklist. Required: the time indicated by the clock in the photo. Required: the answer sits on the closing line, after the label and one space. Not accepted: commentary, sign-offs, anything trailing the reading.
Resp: 2:38
